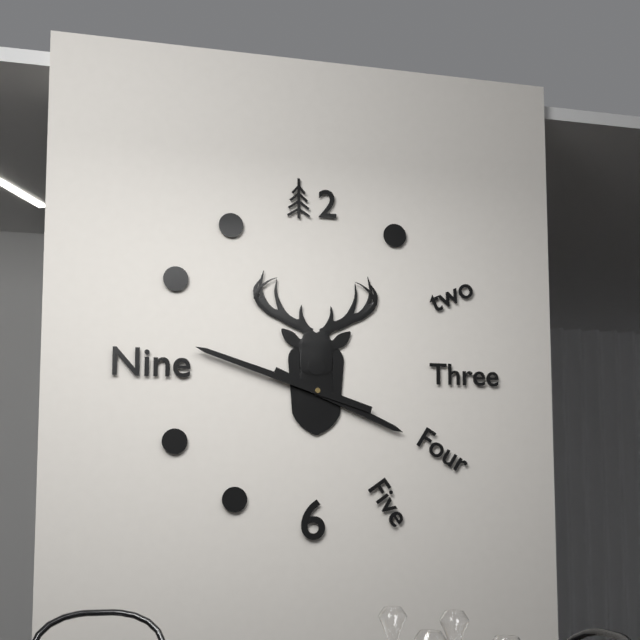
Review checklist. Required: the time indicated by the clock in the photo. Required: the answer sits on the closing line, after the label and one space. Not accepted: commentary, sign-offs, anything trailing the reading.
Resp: 3:48
